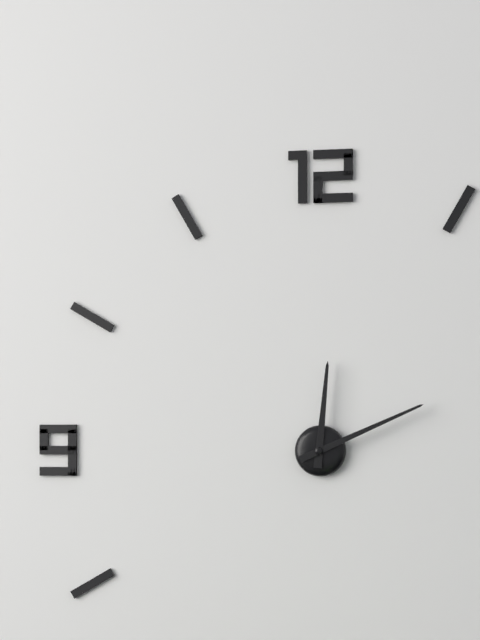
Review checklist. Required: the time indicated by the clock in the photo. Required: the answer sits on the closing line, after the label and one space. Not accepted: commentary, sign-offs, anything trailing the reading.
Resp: 12:11
